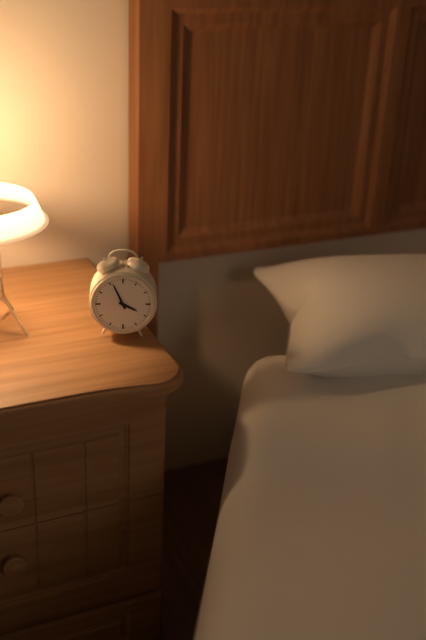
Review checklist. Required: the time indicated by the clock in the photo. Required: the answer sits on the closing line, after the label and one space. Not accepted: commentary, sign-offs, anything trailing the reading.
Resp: 3:56
